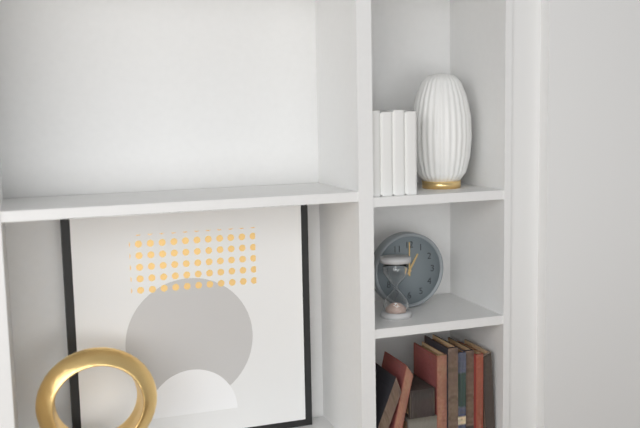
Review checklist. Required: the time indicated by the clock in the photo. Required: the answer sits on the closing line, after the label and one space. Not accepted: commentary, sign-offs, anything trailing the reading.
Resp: 1:00
